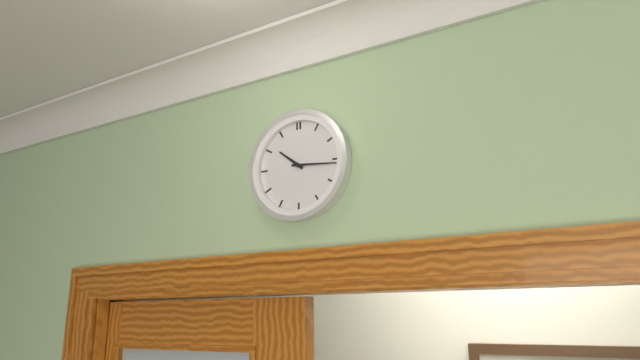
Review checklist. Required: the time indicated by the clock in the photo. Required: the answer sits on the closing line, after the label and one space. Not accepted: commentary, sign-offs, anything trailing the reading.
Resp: 10:16
